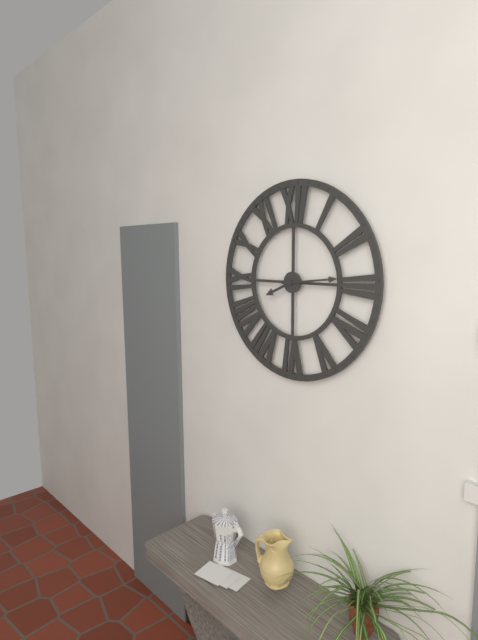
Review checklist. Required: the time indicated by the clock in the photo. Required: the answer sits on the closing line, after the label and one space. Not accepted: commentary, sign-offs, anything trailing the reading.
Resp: 8:14
